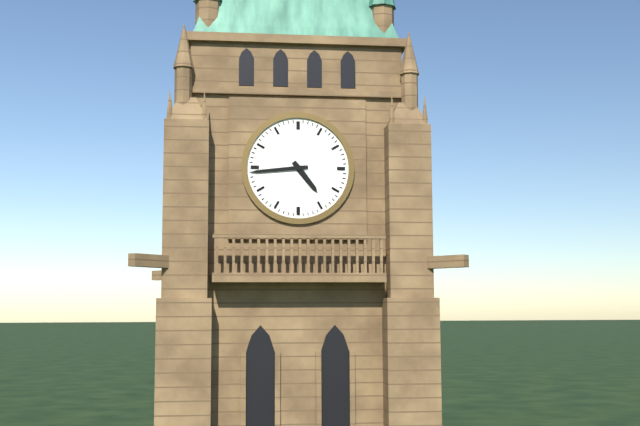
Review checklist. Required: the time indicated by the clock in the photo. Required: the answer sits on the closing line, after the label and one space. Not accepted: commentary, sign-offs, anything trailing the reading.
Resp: 4:44
